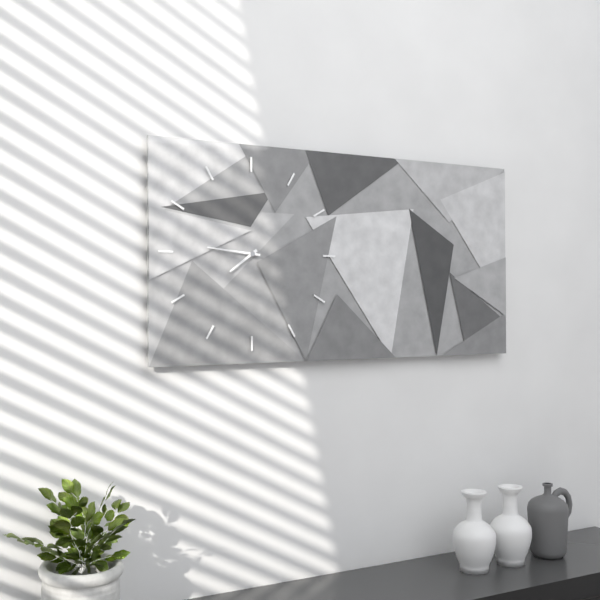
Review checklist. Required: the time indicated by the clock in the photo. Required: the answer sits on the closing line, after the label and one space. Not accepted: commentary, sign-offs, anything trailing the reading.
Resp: 7:46
